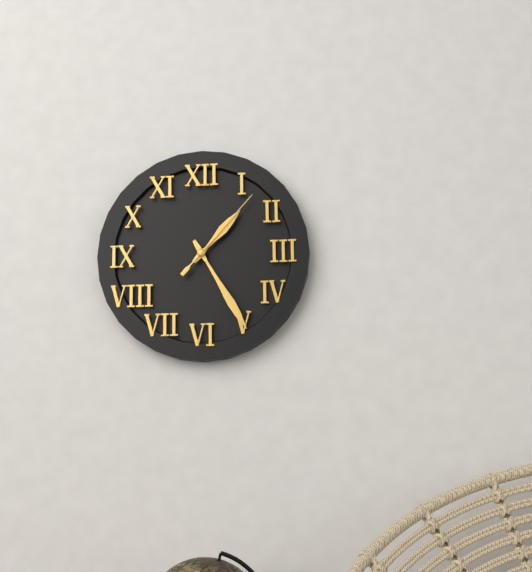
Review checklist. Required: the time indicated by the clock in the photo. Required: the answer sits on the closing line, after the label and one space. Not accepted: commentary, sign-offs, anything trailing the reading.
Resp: 1:25:07
